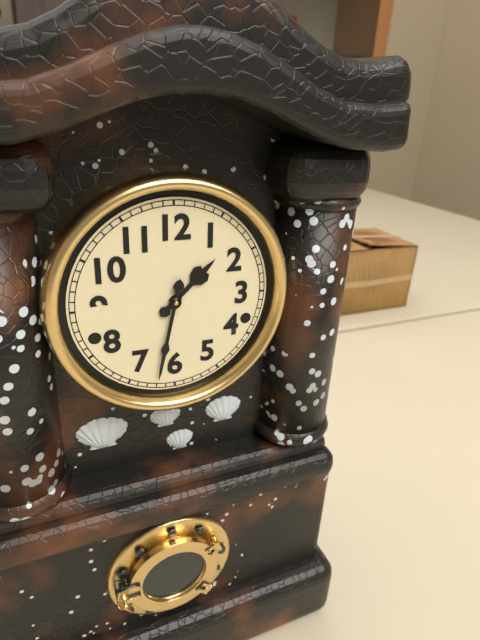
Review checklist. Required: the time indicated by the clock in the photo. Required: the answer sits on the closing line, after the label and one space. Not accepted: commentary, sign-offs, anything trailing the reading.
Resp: 1:32
